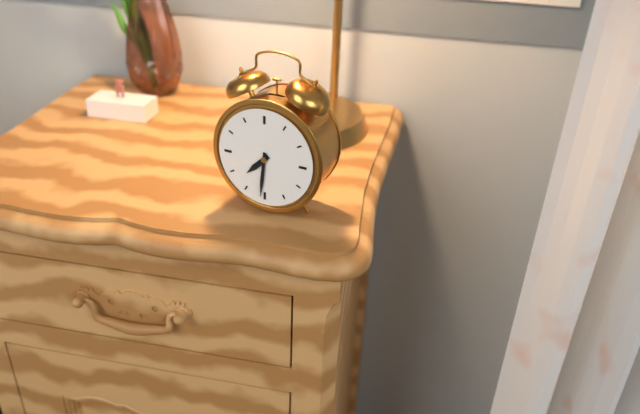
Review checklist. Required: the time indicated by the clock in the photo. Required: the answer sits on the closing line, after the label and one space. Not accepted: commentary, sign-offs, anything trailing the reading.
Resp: 7:31
